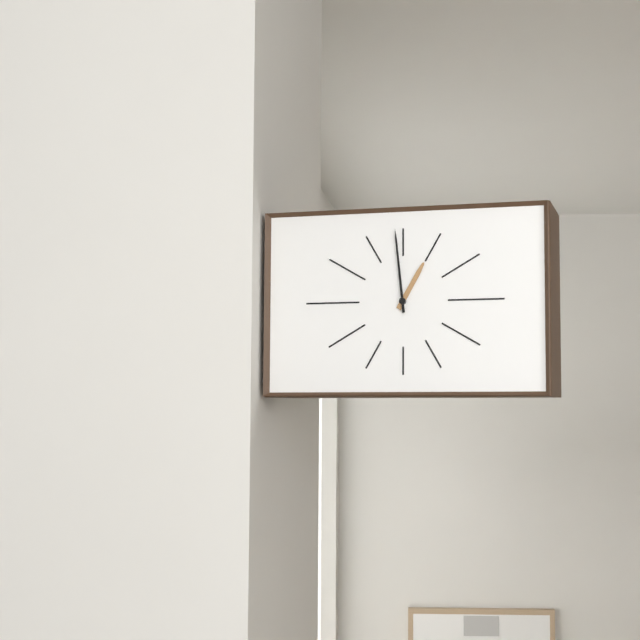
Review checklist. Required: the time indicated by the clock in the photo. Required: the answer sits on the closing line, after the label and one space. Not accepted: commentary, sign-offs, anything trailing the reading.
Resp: 12:59
